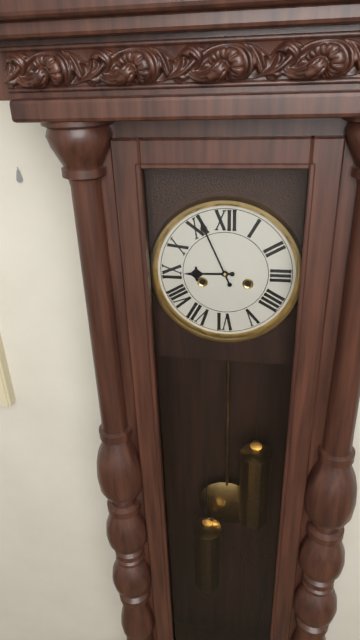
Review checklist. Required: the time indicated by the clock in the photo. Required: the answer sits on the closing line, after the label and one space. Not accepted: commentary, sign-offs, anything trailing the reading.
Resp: 8:56
